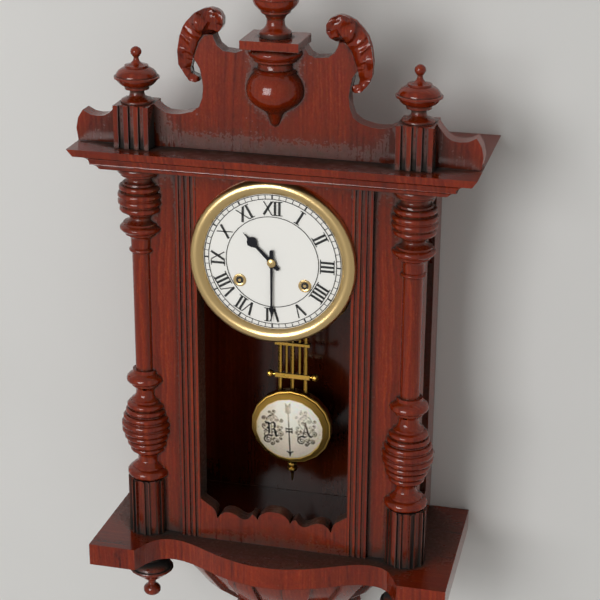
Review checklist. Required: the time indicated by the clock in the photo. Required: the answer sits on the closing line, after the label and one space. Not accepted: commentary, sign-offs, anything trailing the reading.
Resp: 10:30
